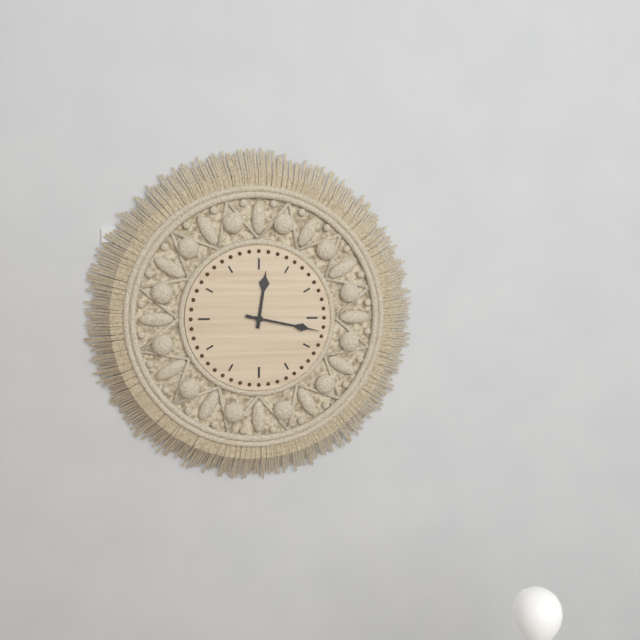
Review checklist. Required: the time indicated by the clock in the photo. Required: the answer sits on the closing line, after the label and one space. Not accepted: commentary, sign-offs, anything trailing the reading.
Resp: 12:17
